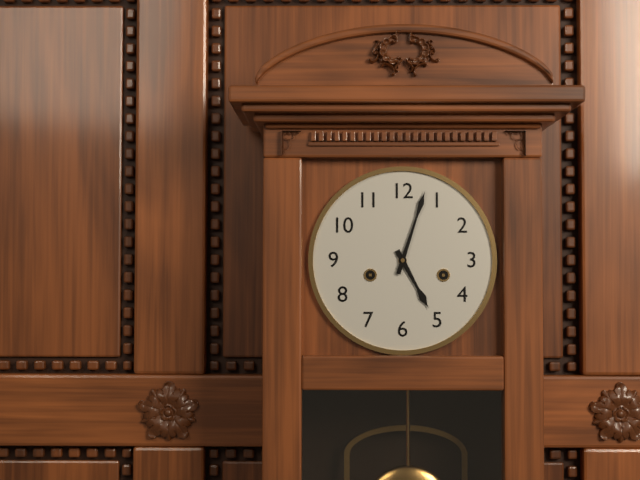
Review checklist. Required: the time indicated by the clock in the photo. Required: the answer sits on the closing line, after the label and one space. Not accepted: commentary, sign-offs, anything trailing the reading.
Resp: 5:03
